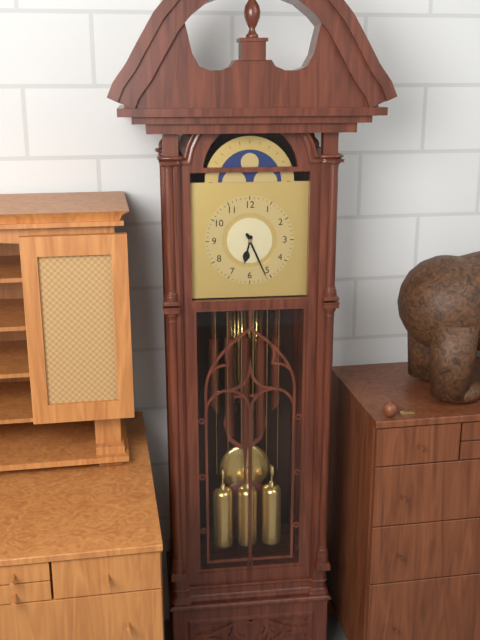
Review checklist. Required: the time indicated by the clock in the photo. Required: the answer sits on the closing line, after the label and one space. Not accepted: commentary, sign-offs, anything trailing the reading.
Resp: 6:26
